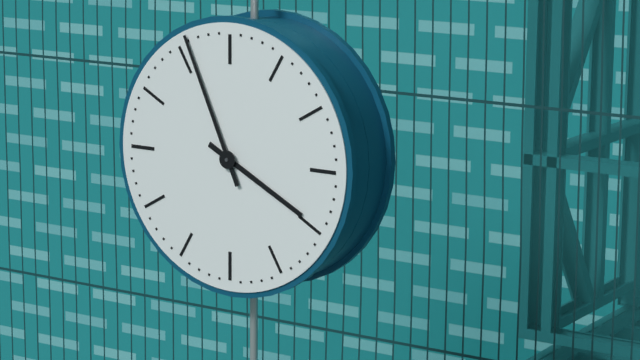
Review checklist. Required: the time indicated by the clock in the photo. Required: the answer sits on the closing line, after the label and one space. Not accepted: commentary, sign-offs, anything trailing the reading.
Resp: 3:56
